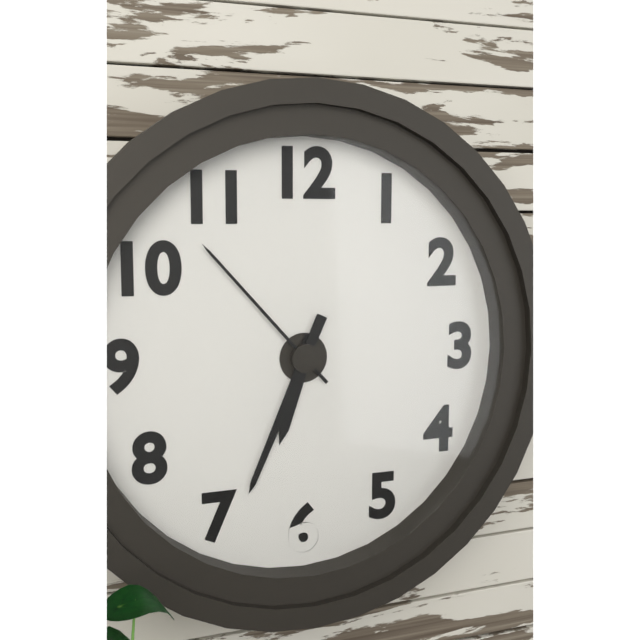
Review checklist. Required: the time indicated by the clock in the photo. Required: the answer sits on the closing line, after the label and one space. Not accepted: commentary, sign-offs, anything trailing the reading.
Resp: 6:34:53
